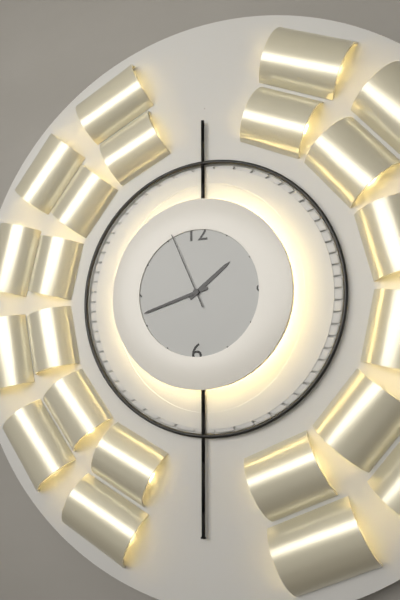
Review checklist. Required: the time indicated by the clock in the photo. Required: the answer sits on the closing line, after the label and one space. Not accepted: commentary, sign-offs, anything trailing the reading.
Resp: 1:42:56
